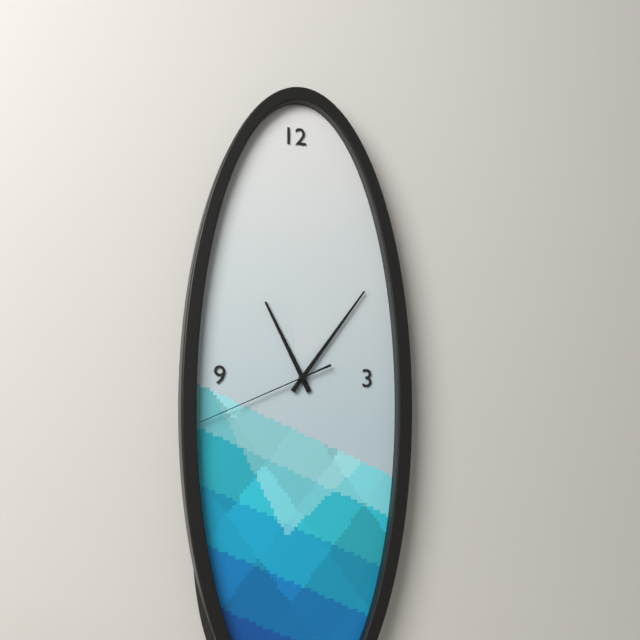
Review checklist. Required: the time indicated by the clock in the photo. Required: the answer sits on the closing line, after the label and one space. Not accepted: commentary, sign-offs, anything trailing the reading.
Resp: 11:06:41
